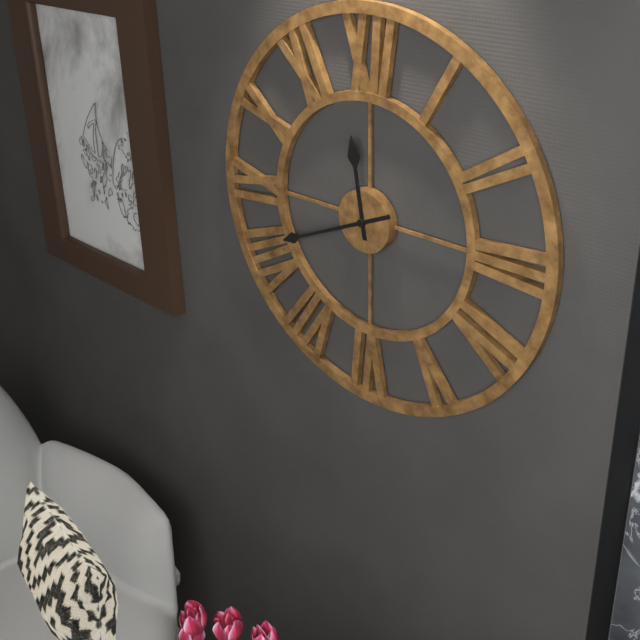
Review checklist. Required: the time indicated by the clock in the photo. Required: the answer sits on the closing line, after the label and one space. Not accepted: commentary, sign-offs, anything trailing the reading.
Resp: 11:41
